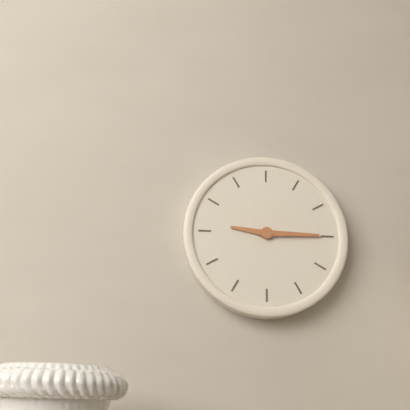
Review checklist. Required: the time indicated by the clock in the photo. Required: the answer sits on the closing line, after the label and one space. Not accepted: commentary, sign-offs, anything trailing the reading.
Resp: 9:15
